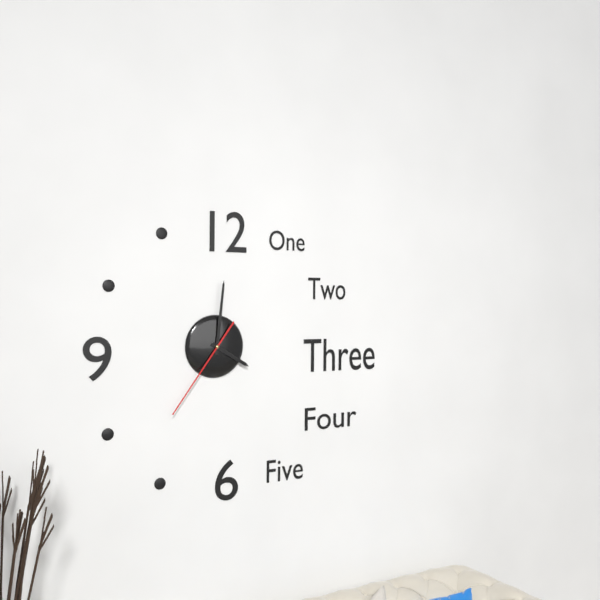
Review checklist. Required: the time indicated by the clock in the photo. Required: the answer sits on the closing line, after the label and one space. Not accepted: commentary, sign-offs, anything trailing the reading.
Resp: 4:01:36
